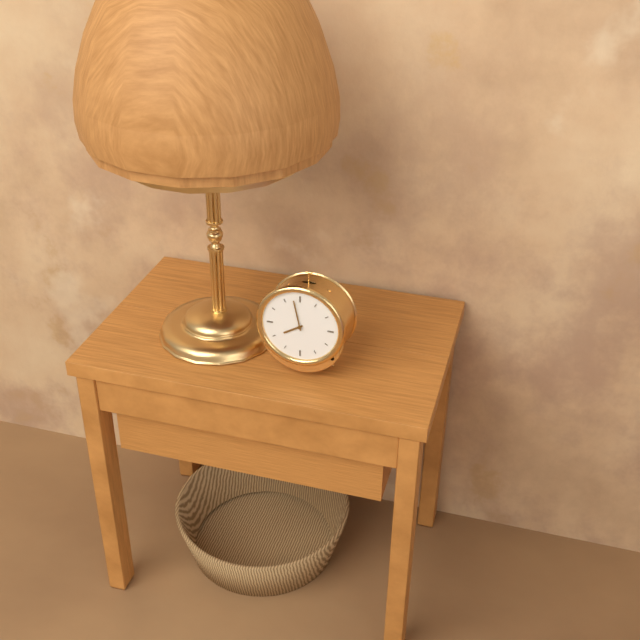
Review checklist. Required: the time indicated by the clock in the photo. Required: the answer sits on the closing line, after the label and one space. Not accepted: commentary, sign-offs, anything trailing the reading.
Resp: 7:58
